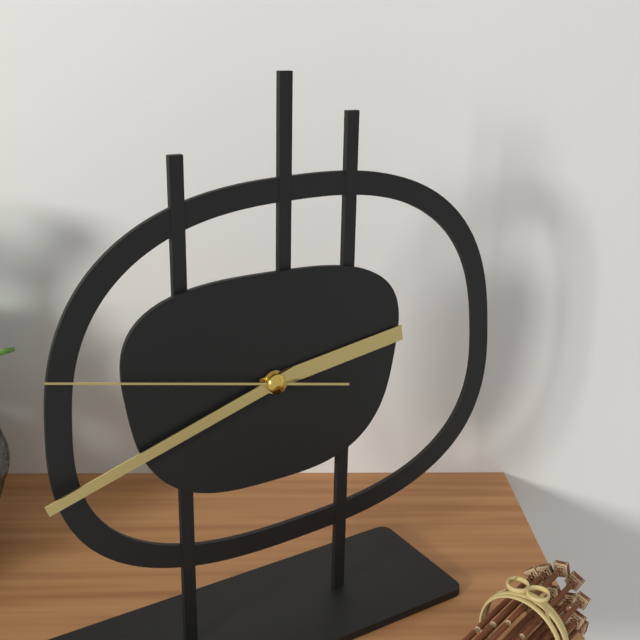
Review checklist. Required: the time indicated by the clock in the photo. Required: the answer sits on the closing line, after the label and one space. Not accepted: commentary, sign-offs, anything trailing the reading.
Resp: 2:42:47
